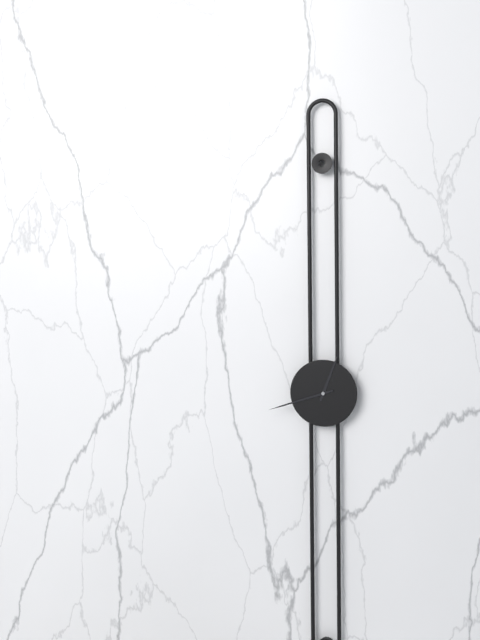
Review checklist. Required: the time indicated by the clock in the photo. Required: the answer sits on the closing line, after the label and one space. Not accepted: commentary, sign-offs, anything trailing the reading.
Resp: 12:42
